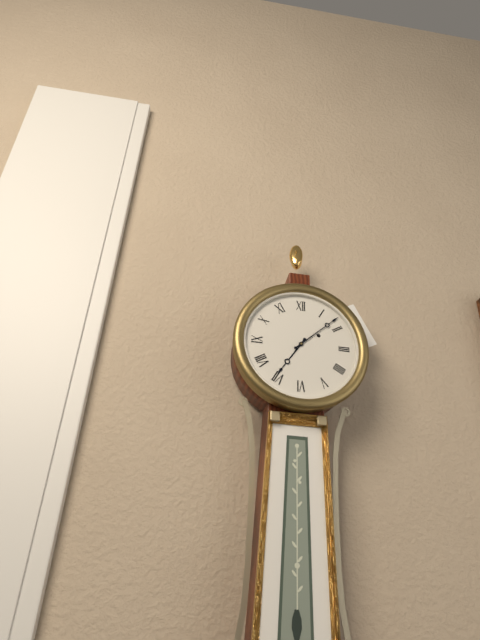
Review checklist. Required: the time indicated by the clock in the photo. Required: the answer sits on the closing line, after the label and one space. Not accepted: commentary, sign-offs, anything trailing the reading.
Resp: 7:08
